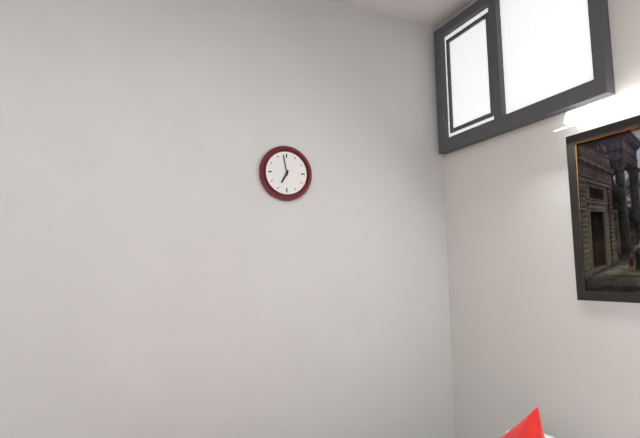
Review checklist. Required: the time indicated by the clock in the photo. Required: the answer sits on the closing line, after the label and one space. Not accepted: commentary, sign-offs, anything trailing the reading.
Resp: 6:58
